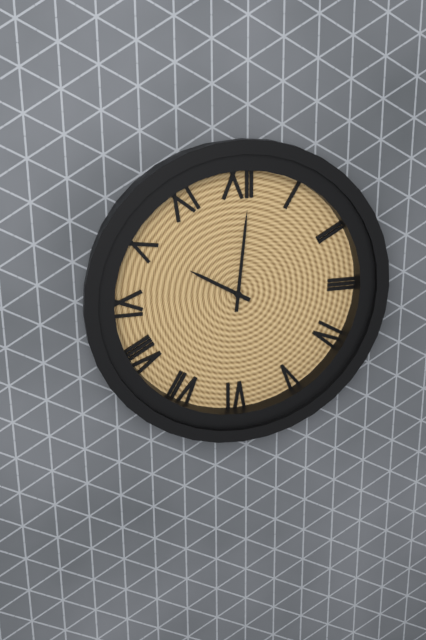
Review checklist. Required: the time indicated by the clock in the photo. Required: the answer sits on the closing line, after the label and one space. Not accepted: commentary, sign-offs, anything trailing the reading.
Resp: 10:01
